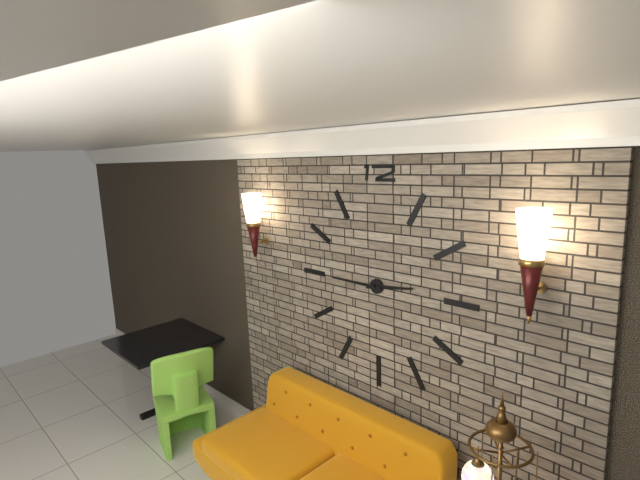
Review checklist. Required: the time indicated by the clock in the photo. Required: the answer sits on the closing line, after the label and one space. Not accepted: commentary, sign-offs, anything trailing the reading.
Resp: 2:45
